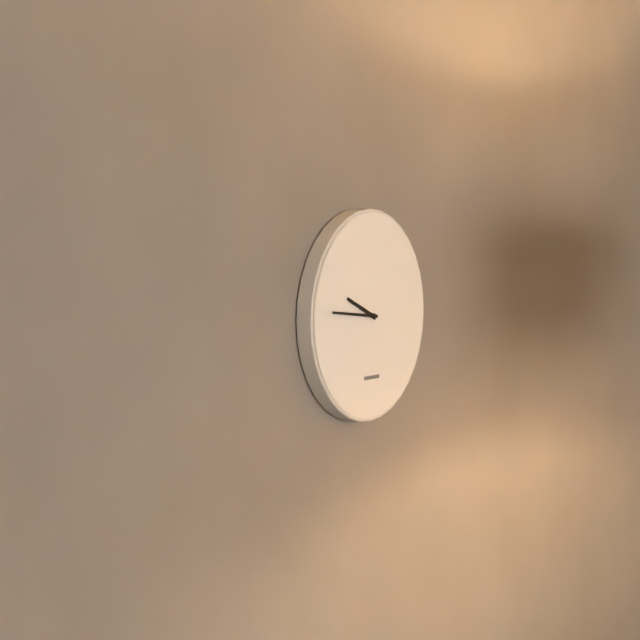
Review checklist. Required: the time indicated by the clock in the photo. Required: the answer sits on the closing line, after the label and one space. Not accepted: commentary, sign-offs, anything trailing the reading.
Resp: 9:46
